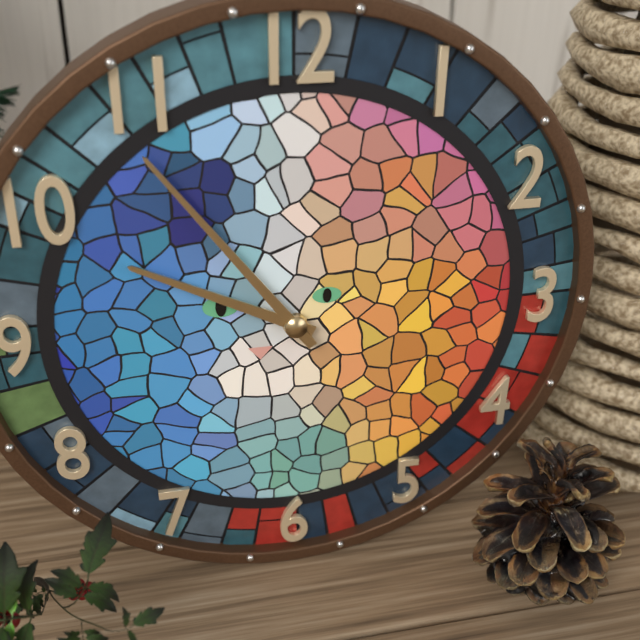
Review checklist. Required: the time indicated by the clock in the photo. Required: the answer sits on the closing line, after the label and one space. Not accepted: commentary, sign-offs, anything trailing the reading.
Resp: 9:54
